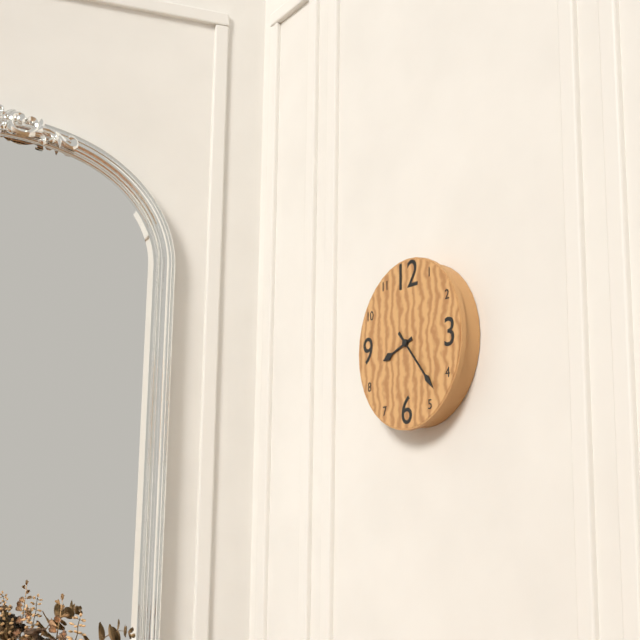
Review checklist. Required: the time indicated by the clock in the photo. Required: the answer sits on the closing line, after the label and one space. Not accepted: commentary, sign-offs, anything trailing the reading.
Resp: 8:23
